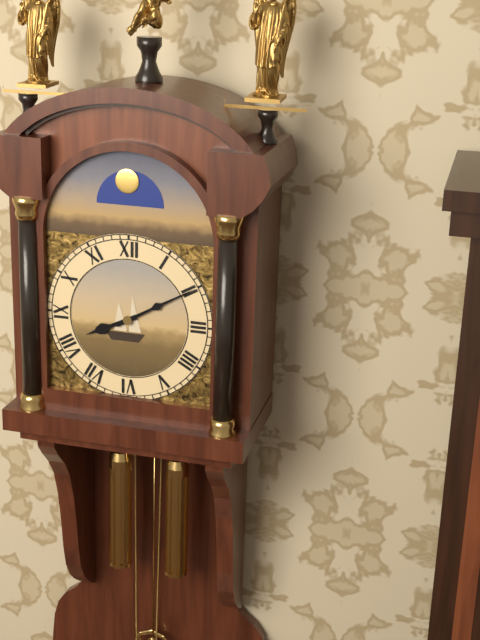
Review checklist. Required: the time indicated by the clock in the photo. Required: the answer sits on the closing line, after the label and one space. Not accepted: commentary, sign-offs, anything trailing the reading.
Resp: 8:10
